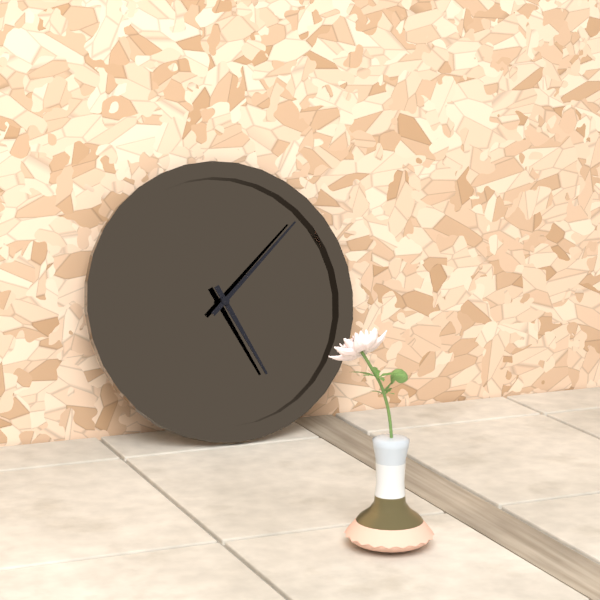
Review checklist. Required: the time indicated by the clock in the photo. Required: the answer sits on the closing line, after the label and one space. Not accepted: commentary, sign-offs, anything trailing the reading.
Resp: 5:08
